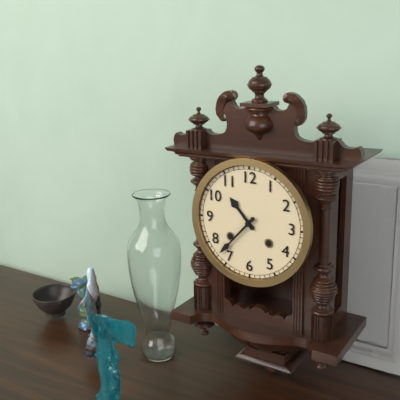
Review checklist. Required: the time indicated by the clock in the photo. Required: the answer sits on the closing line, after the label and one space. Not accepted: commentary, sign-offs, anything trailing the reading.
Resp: 10:37
